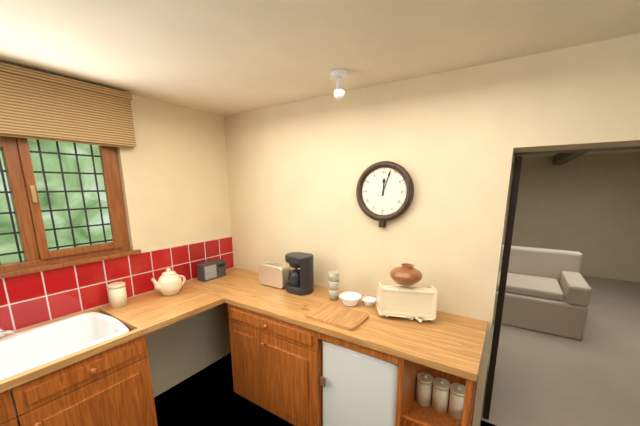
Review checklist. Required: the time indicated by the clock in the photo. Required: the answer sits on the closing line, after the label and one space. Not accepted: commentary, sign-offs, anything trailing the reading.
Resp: 12:03
